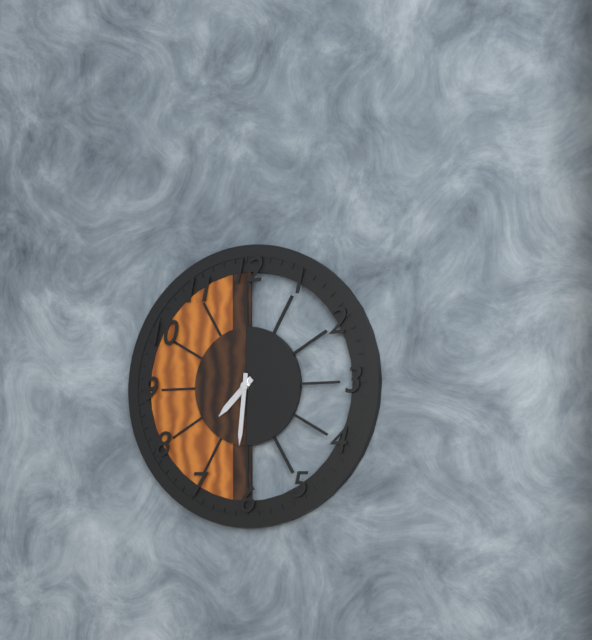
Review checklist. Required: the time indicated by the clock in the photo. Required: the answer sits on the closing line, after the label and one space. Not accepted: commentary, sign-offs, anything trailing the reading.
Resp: 7:31
